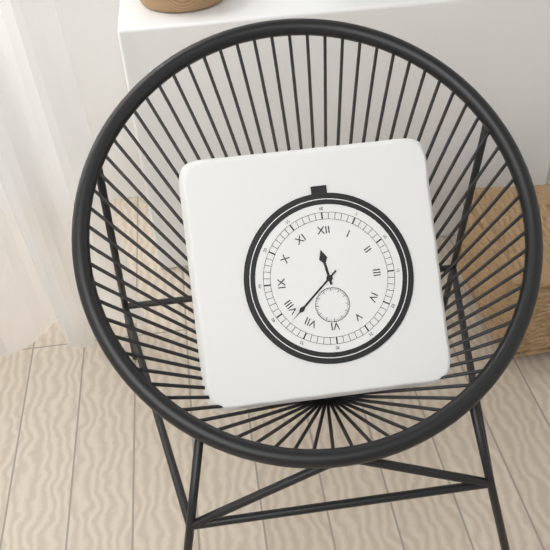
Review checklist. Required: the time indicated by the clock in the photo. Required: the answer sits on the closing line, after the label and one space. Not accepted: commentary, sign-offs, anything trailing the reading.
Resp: 11:38
